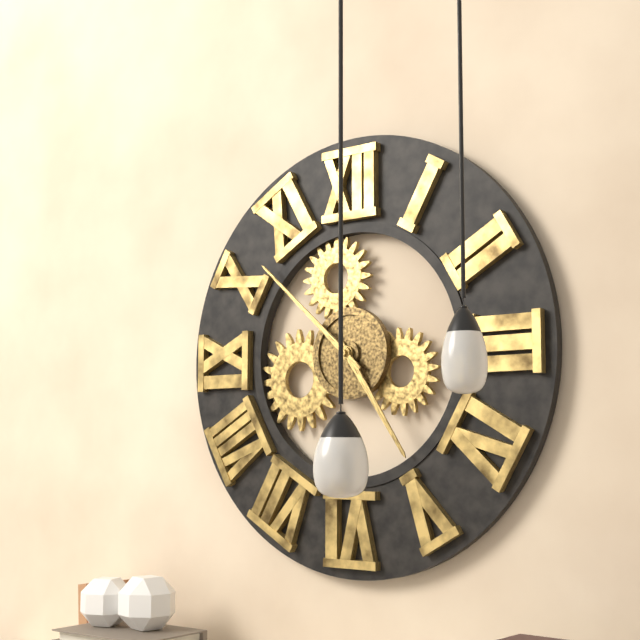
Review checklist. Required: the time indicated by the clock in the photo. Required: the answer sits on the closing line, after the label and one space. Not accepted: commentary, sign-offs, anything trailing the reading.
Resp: 4:52
